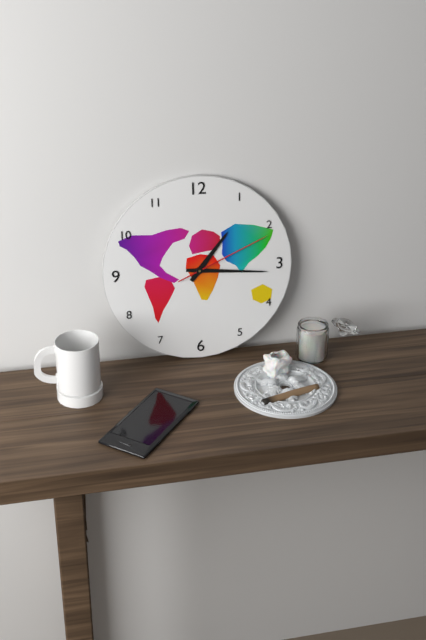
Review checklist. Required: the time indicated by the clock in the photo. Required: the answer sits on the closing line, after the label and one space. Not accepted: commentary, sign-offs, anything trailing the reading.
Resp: 1:16:11
